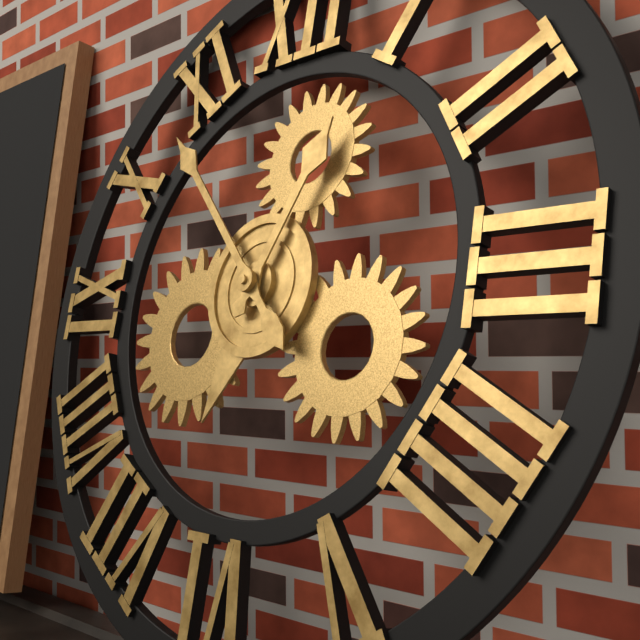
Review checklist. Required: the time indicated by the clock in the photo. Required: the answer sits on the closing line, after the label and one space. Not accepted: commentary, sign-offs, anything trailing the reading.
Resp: 12:53
